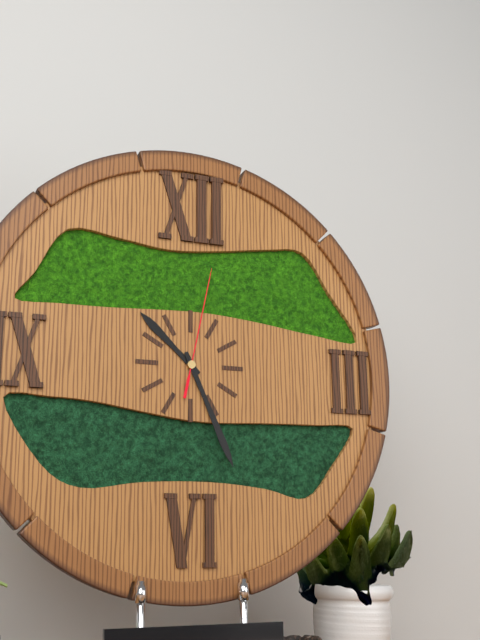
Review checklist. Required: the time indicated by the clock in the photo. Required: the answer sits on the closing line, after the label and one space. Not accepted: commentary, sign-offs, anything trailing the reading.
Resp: 10:26:02
